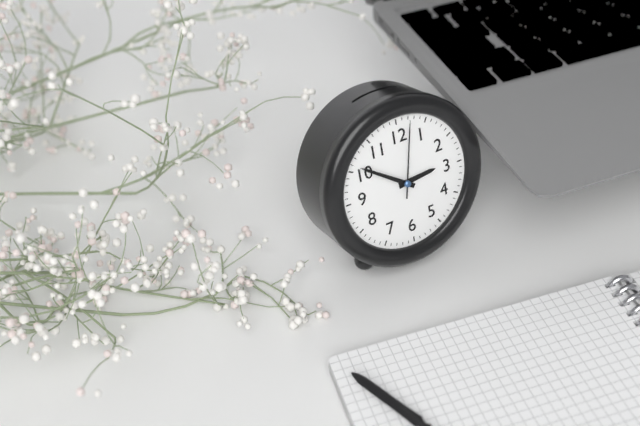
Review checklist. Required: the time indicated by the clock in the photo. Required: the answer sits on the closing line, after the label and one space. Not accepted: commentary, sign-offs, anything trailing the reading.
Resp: 2:51:02
